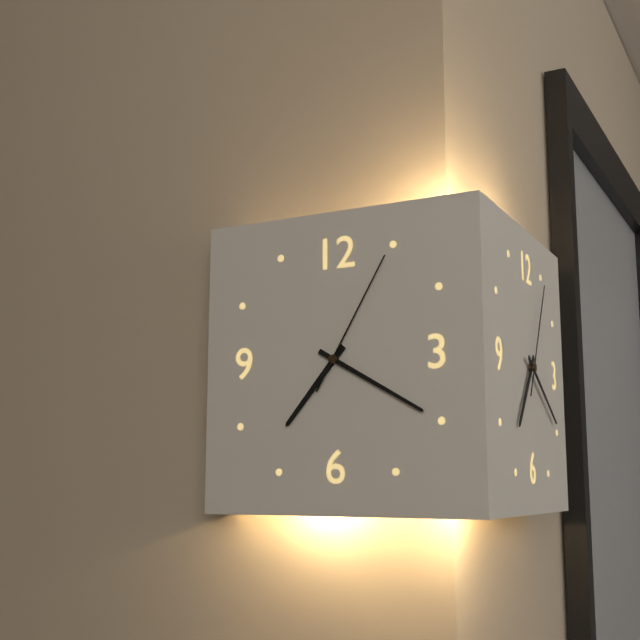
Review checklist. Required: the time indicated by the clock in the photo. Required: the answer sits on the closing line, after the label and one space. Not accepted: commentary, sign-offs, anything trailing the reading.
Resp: 7:20:05
